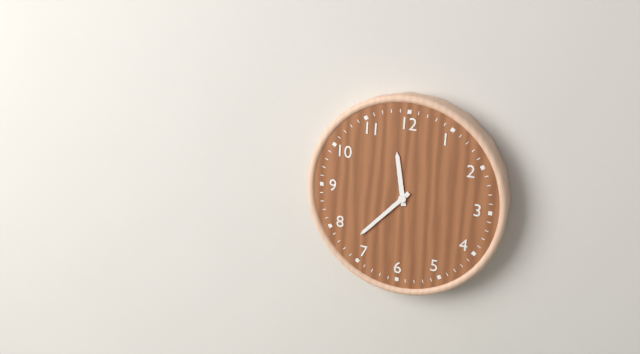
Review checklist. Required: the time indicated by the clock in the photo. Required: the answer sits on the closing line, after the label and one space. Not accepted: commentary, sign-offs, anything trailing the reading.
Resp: 11:37
